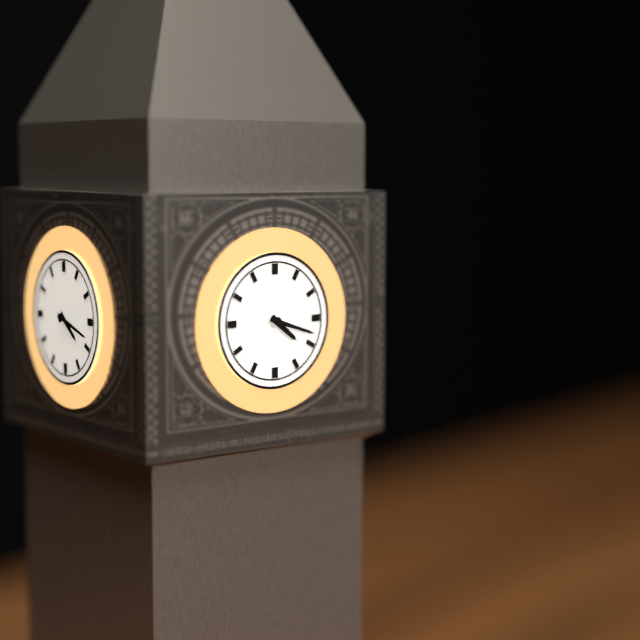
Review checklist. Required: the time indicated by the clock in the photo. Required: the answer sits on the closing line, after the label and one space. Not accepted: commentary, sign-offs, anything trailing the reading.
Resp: 4:18
